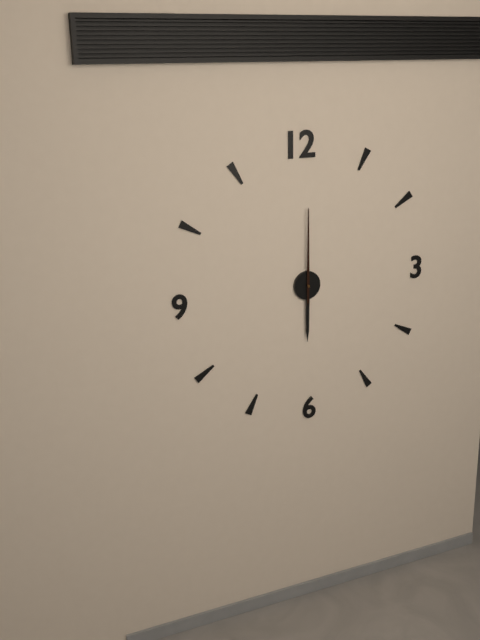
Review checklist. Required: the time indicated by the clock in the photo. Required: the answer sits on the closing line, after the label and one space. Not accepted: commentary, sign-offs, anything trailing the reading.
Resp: 6:00
